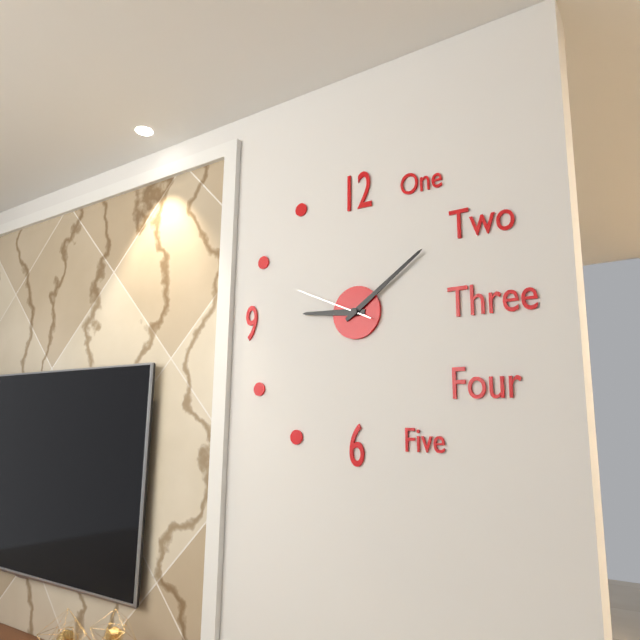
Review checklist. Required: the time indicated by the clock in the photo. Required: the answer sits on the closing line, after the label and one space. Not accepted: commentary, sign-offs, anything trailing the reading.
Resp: 9:09:49
